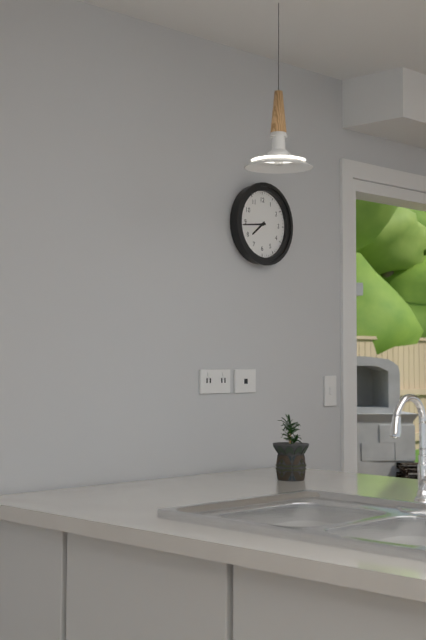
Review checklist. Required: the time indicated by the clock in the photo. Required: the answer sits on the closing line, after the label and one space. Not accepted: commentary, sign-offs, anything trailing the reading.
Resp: 7:44
